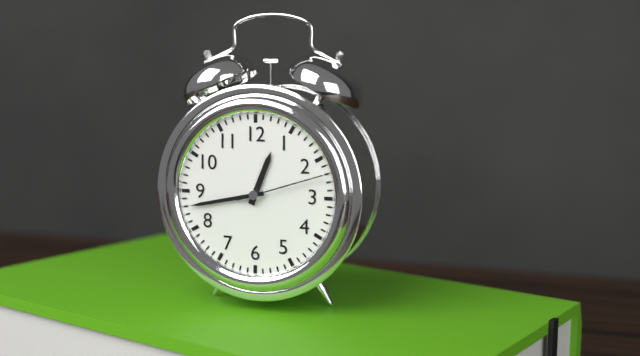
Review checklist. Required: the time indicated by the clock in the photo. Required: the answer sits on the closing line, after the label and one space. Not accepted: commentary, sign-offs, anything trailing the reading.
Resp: 12:43:12
